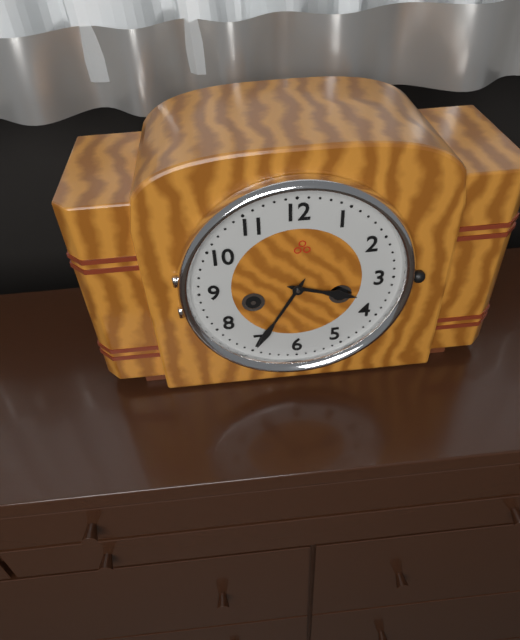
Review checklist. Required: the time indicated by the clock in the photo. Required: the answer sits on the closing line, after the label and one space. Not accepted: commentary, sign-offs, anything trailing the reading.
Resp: 3:35
